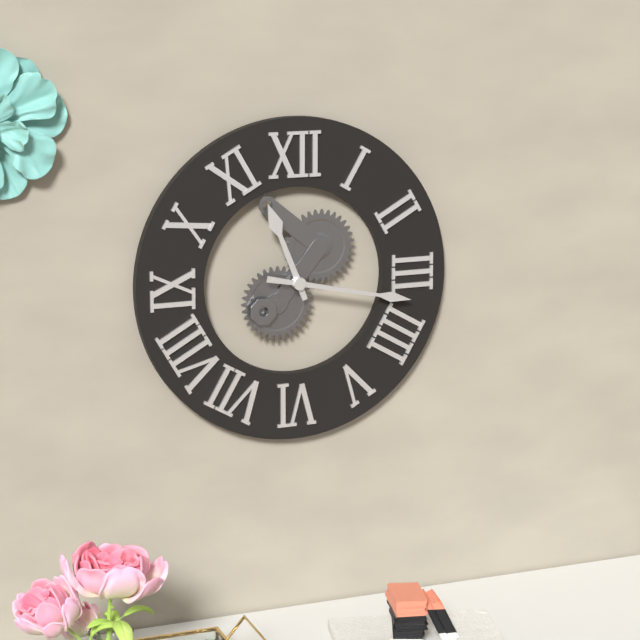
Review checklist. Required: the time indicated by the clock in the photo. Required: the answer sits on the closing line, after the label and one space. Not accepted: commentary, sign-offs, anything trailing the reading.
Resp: 11:17
